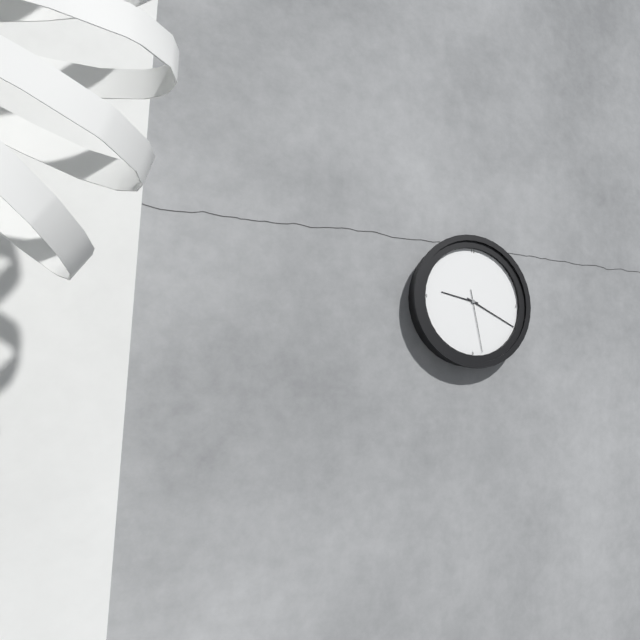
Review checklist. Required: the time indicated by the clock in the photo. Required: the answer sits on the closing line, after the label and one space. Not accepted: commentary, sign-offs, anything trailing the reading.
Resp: 9:19:28
